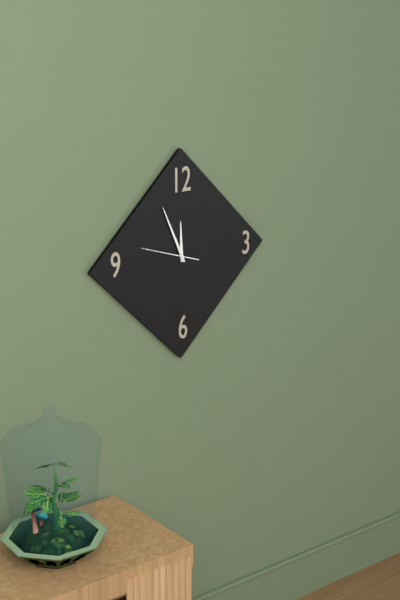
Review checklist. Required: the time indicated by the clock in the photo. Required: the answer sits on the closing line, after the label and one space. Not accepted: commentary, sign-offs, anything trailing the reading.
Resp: 11:56:48
